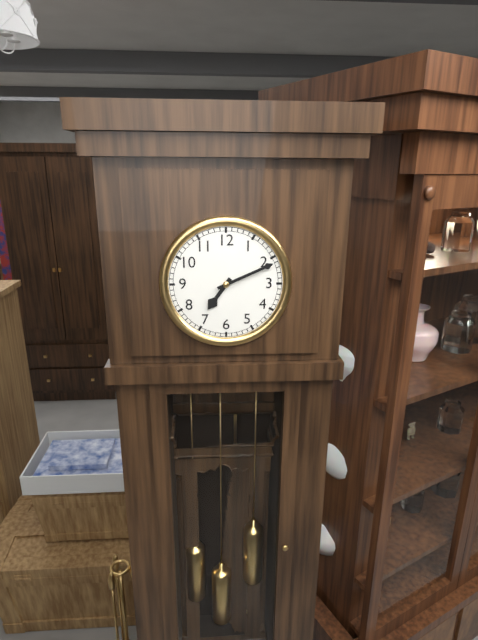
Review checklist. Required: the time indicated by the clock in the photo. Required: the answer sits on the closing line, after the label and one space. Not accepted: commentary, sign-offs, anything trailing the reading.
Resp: 7:11
